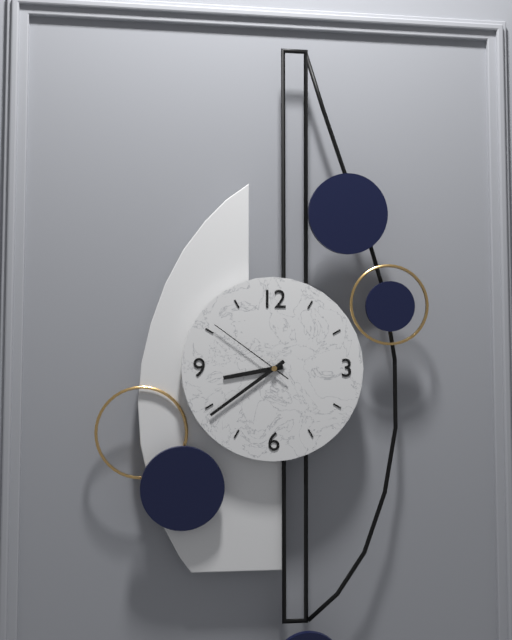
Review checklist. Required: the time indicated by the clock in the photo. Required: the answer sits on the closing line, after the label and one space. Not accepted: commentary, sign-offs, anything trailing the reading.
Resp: 8:39:51
